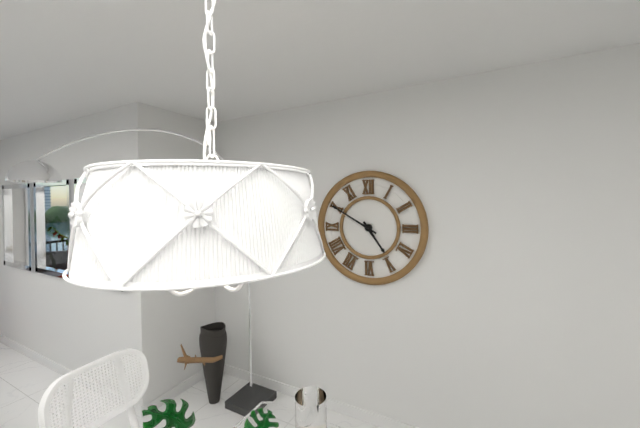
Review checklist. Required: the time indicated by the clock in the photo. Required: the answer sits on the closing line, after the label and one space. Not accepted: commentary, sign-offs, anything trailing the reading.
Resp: 4:50
